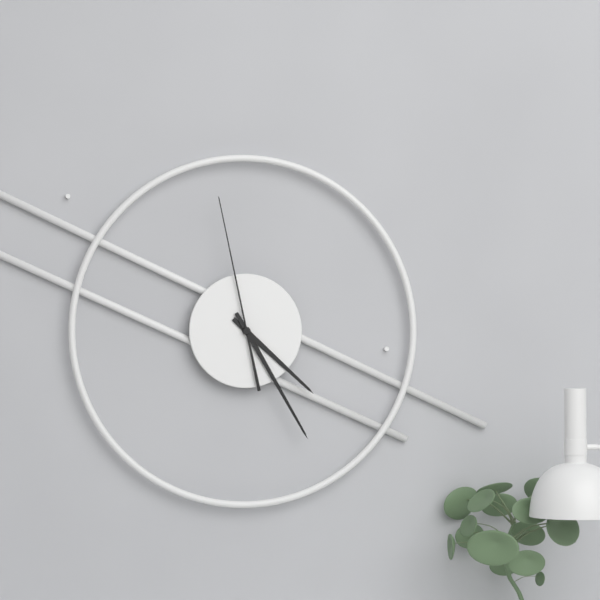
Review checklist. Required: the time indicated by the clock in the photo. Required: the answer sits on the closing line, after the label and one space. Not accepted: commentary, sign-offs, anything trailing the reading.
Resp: 4:25:58
